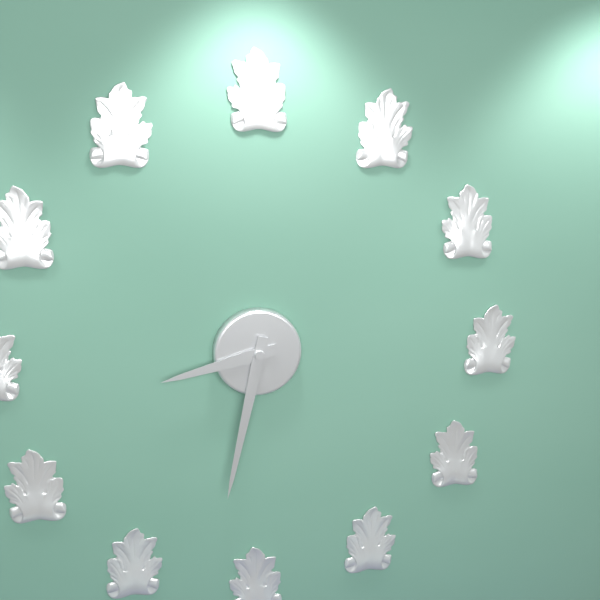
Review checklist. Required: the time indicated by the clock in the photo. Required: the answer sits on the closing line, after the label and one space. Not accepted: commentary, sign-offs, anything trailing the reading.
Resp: 8:32
